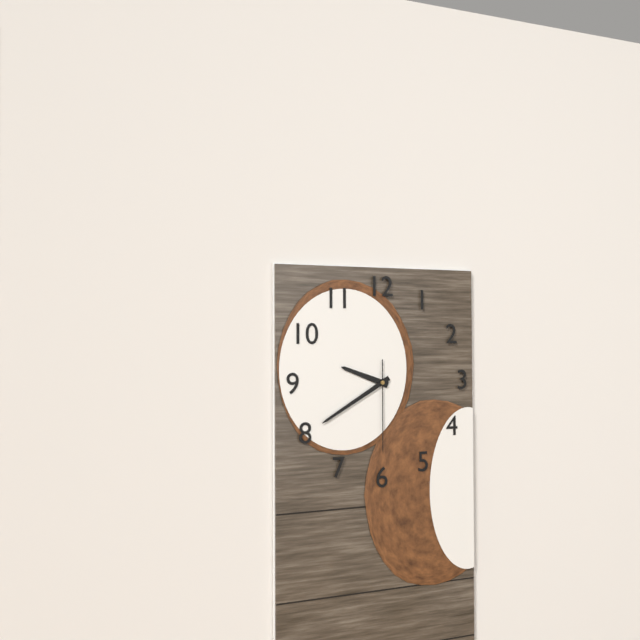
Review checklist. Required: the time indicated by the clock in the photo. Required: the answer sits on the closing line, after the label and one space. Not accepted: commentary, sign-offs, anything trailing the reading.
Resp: 9:40:30
